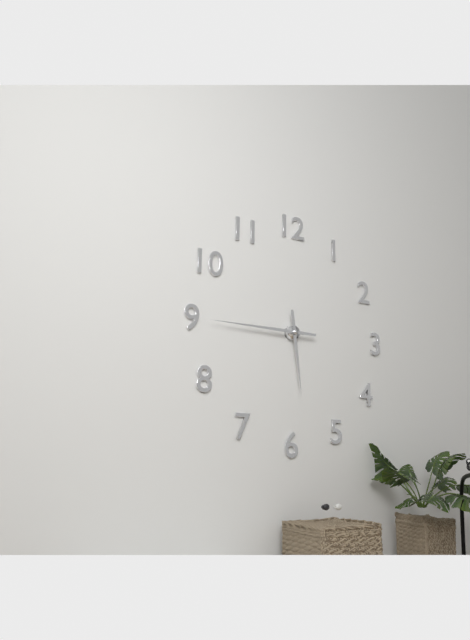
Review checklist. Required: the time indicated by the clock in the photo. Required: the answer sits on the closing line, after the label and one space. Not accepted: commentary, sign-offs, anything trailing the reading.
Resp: 5:45
